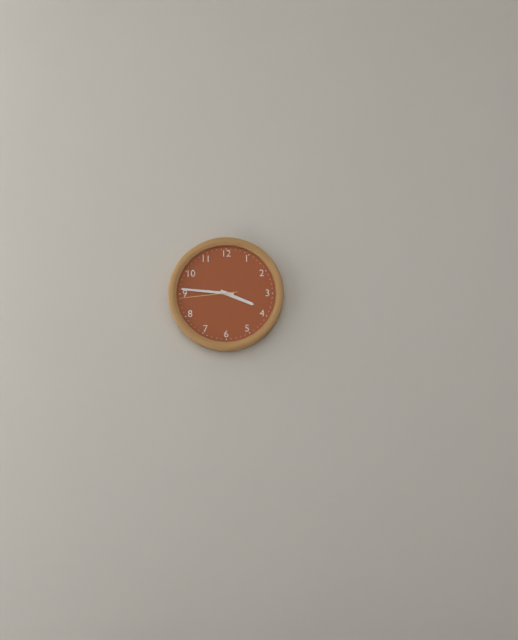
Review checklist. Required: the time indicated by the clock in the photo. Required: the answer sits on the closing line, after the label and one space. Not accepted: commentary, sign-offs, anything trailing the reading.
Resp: 3:46:44
